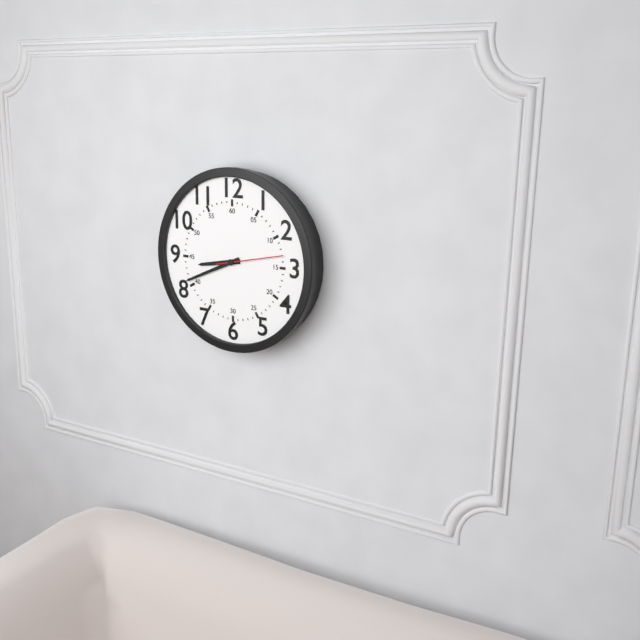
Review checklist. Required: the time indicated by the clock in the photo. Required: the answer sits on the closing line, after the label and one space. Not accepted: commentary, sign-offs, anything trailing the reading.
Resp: 8:41:13
